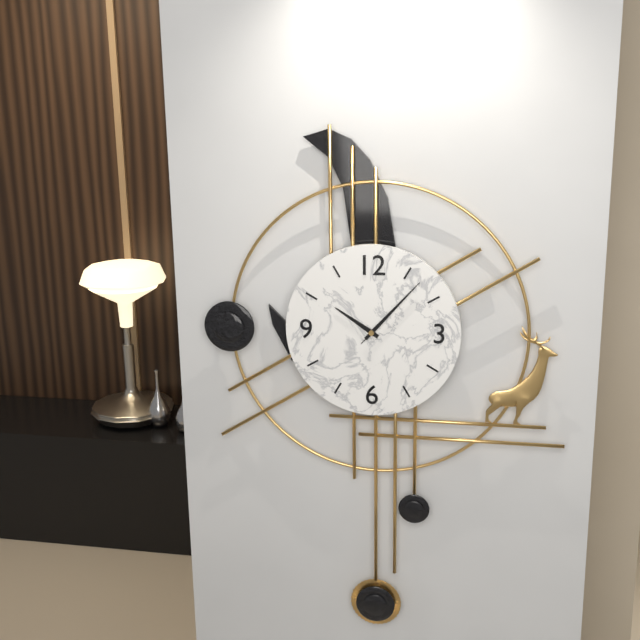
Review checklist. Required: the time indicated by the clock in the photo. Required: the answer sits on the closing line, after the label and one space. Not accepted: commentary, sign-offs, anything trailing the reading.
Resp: 10:07:07
